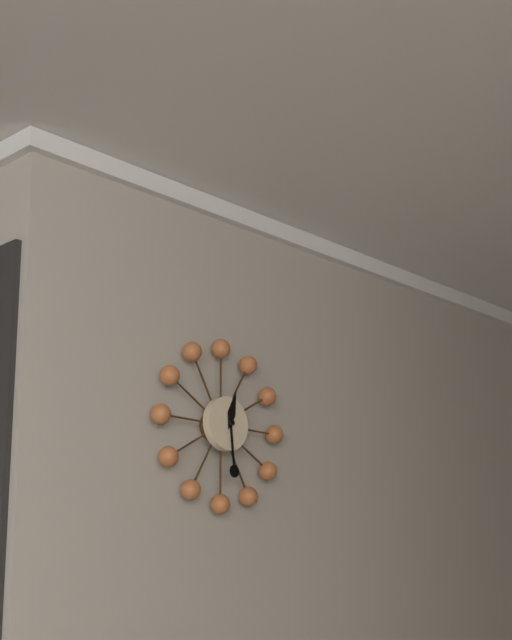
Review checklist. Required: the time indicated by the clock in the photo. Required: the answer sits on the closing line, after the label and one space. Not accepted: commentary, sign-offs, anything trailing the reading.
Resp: 12:29
